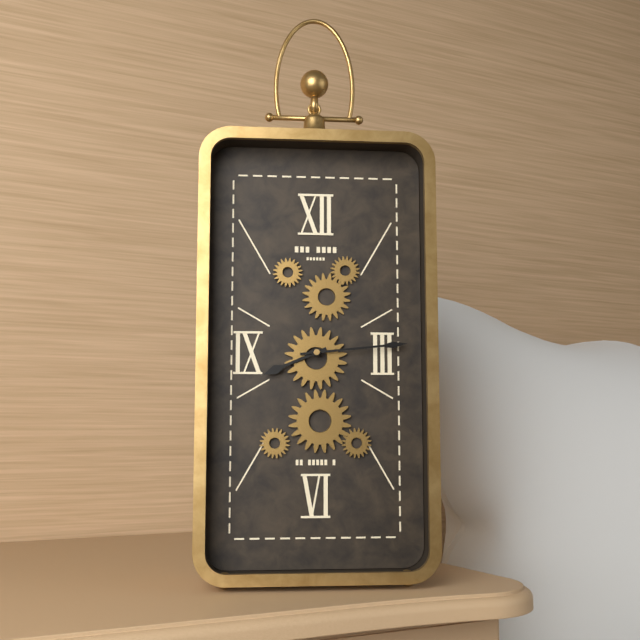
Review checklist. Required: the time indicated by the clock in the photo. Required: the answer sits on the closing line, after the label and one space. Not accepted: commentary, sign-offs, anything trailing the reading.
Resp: 8:14
